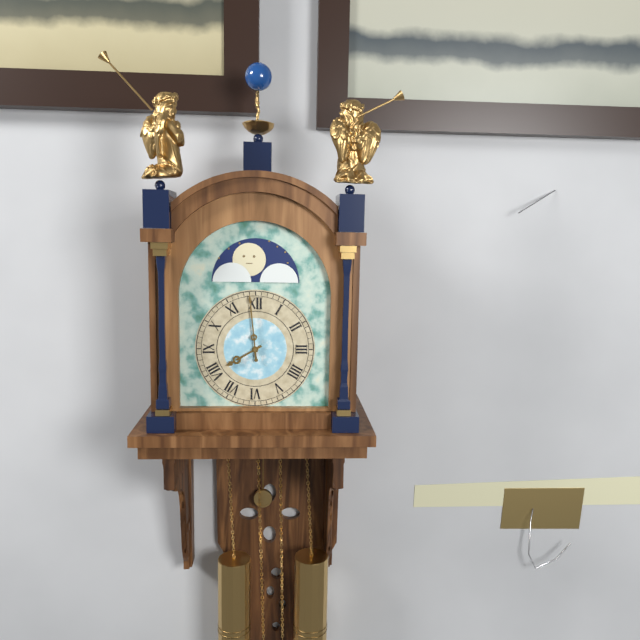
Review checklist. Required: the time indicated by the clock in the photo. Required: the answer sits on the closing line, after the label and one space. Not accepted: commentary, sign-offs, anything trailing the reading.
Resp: 7:59
